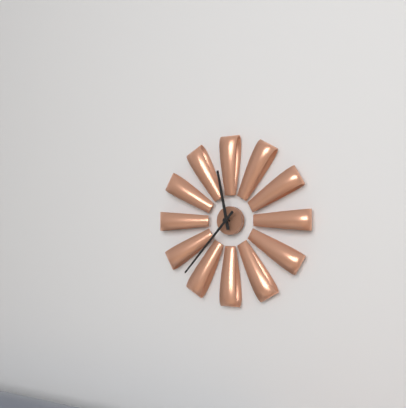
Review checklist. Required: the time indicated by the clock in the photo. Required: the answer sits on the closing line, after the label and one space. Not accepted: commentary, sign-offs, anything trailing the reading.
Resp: 11:37
